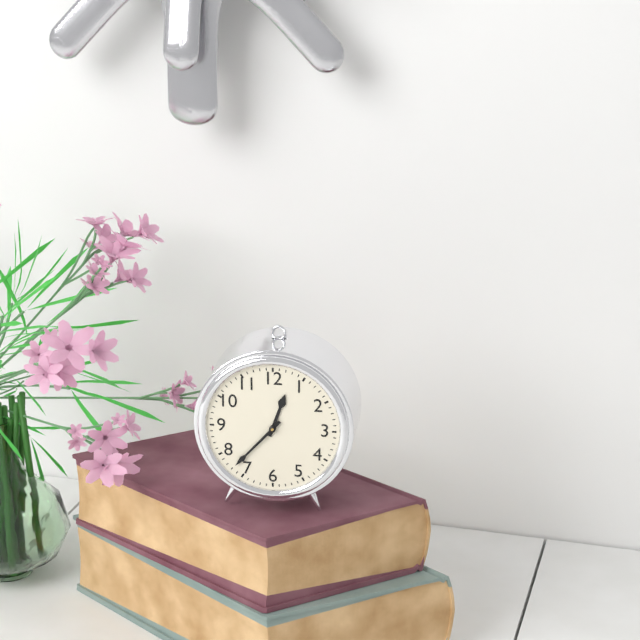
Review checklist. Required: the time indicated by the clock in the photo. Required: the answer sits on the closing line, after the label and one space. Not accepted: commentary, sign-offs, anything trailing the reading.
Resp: 12:37
